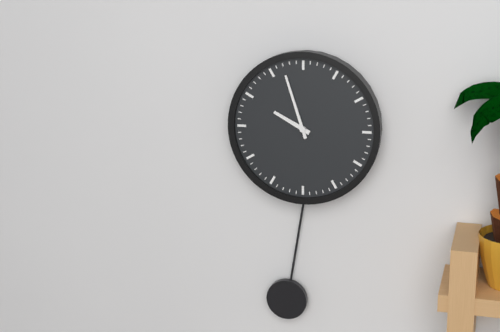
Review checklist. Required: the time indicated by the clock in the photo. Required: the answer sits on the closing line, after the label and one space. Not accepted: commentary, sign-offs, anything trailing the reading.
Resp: 9:57
